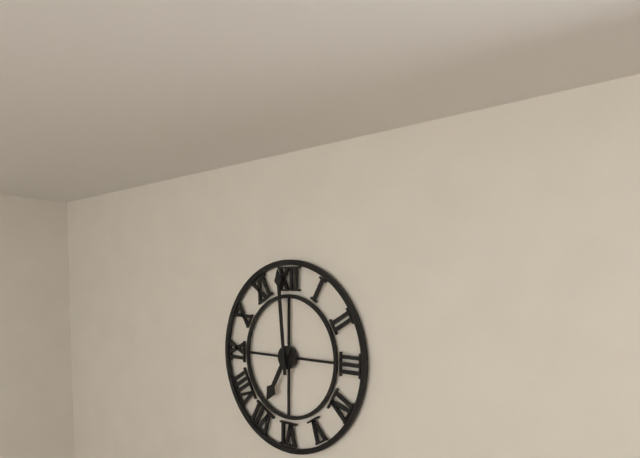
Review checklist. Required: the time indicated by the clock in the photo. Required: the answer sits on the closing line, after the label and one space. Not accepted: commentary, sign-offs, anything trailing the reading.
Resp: 6:59
